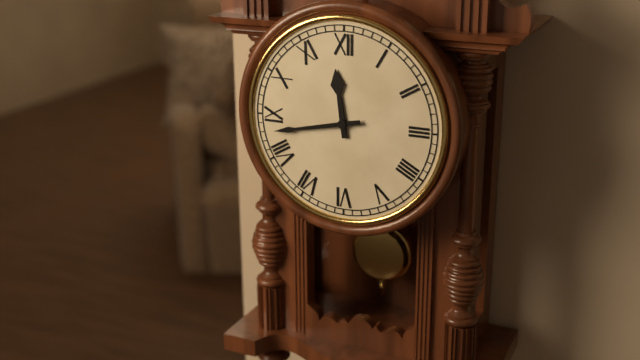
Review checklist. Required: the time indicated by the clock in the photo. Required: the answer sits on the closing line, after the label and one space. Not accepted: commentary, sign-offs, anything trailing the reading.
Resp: 11:43
